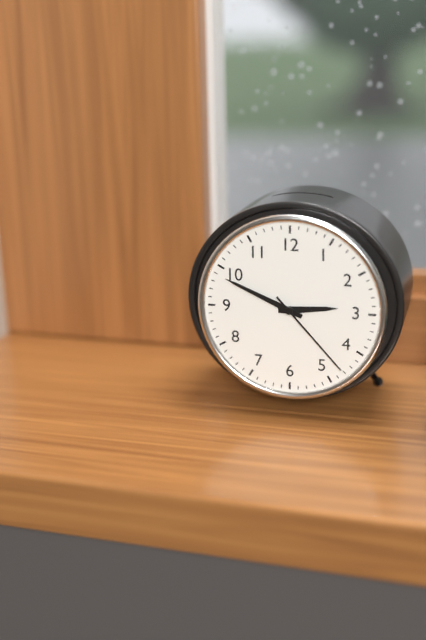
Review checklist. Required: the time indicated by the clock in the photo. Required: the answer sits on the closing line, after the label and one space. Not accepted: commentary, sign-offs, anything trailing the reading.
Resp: 2:49:23
